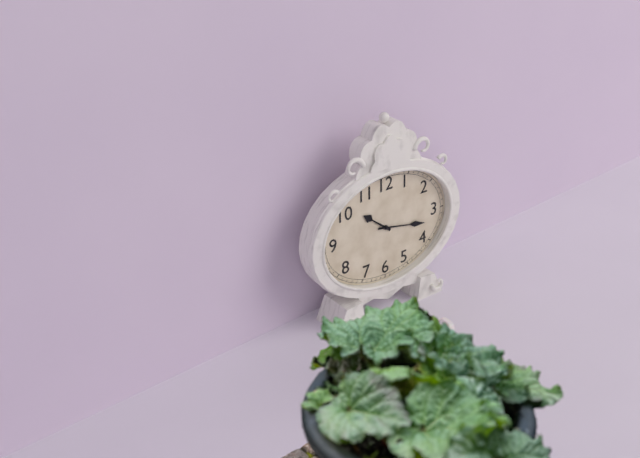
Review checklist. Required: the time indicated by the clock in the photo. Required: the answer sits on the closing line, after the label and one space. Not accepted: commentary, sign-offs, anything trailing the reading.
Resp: 10:17
